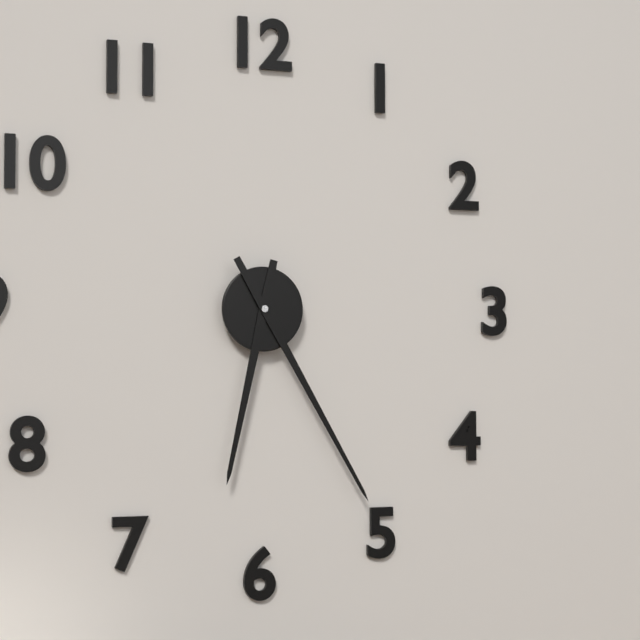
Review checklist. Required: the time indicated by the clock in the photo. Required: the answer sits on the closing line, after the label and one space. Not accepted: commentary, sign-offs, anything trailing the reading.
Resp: 6:25
